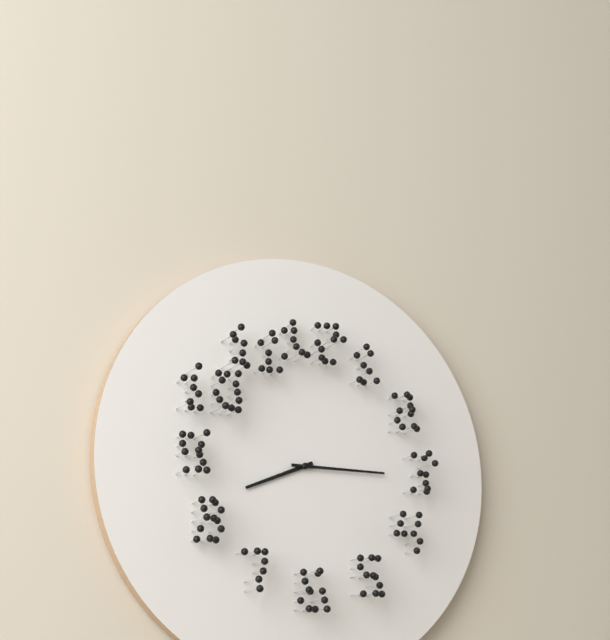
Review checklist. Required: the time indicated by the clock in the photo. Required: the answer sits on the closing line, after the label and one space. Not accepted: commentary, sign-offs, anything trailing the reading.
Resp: 8:15
